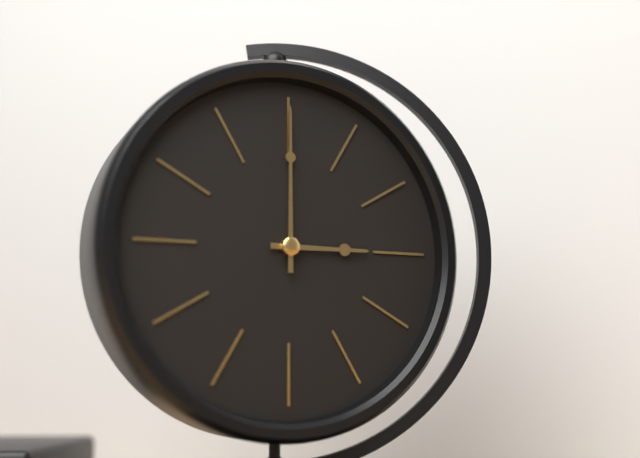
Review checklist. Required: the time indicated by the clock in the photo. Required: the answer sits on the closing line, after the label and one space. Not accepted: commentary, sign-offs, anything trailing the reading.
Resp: 3:00
